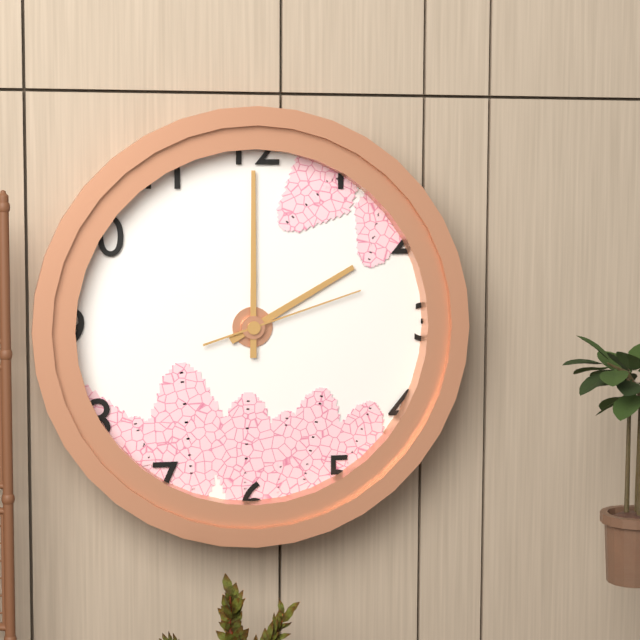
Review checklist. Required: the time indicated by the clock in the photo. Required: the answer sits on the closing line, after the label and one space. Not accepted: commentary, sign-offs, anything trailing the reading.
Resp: 2:00:12
